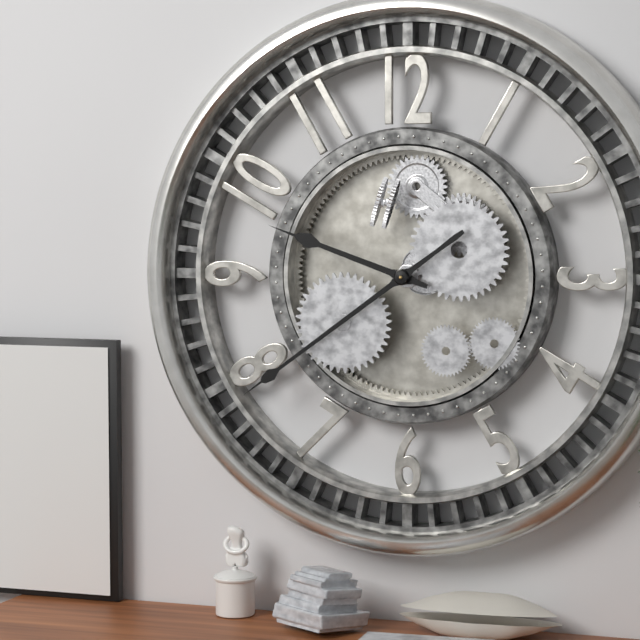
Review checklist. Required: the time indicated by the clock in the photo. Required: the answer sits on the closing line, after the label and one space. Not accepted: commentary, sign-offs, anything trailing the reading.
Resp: 9:39
